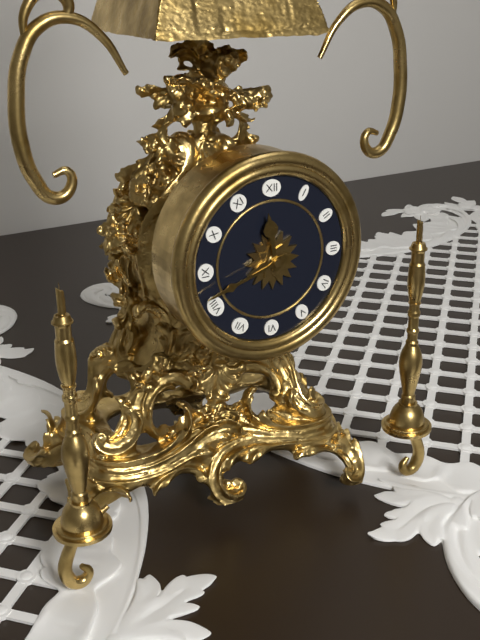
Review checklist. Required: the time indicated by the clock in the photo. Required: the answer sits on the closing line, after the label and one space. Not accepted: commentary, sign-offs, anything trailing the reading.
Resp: 11:42
